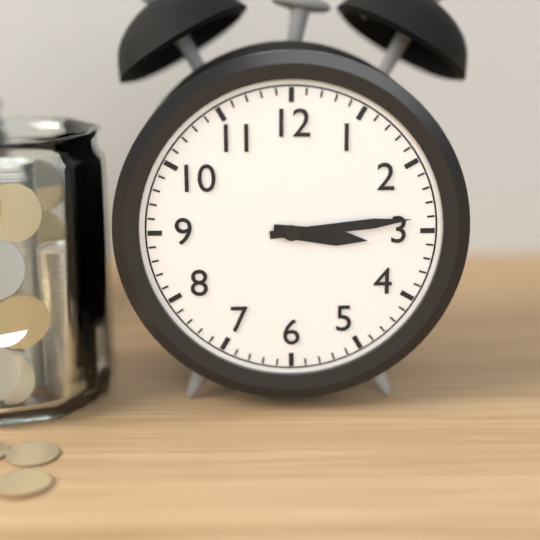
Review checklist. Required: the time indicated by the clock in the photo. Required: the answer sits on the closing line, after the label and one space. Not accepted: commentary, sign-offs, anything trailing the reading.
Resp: 3:14
